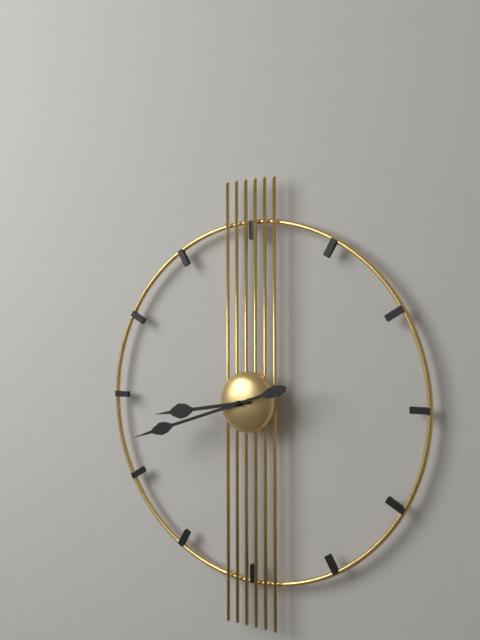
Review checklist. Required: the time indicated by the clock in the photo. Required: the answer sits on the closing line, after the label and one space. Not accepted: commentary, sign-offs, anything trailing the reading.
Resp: 8:42
